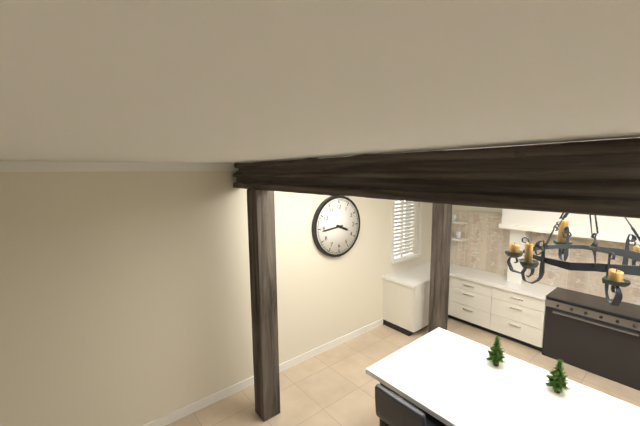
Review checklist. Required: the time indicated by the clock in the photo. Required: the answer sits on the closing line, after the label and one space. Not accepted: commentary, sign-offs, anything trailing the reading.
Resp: 3:44
